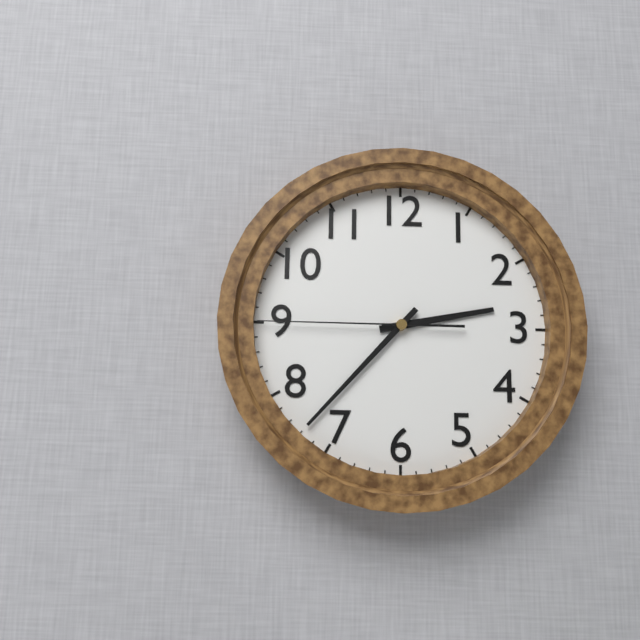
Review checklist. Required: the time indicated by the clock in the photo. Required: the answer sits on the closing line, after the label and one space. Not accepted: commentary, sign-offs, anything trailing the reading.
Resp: 2:37:45
